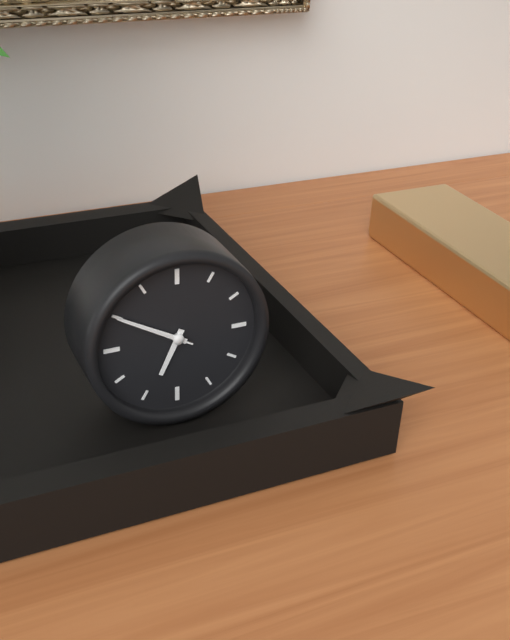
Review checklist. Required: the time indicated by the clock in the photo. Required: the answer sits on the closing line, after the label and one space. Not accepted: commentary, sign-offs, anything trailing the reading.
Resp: 6:50:50
